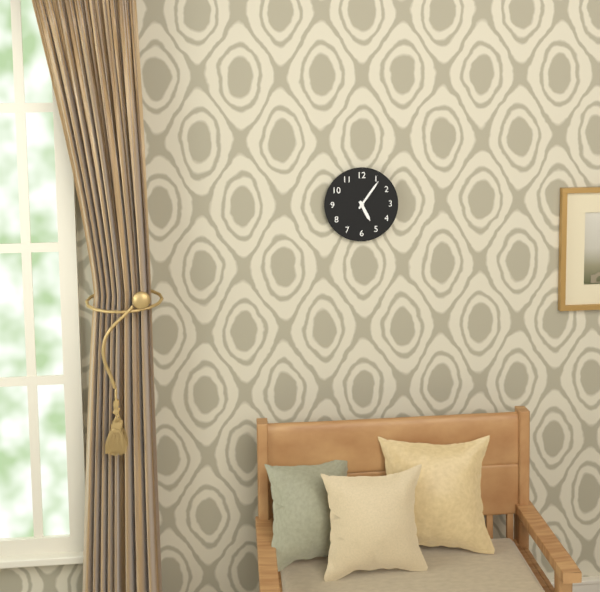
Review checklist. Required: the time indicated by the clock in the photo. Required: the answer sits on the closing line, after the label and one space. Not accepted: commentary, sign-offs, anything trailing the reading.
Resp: 5:06
